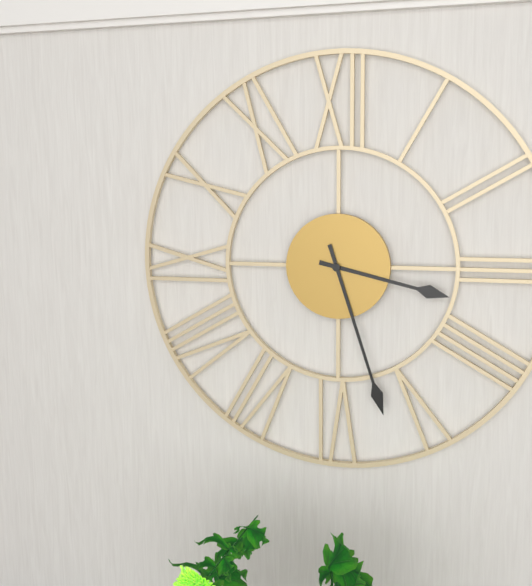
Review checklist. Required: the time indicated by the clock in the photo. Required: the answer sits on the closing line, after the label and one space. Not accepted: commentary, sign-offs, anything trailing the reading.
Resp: 3:27
